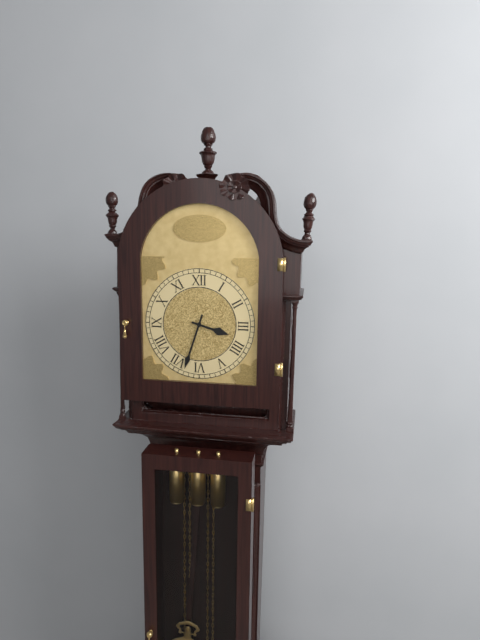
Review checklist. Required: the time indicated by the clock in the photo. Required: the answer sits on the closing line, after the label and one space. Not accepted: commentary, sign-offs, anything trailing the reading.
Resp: 3:33
